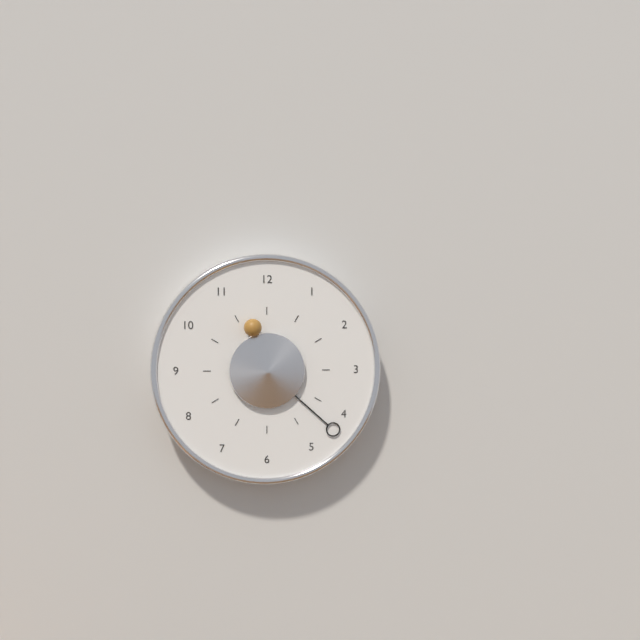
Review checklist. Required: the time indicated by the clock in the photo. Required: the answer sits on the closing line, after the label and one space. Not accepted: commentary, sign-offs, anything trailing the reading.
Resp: 11:22
